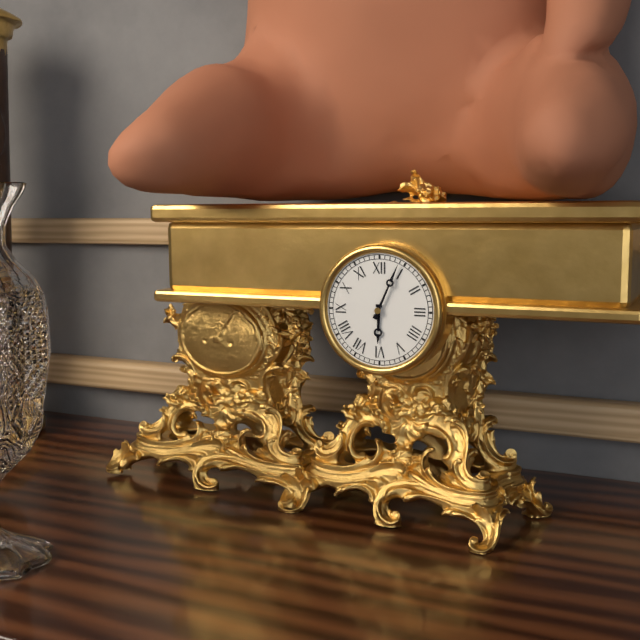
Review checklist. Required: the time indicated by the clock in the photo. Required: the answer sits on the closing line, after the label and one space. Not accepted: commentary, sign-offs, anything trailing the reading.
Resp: 6:04
